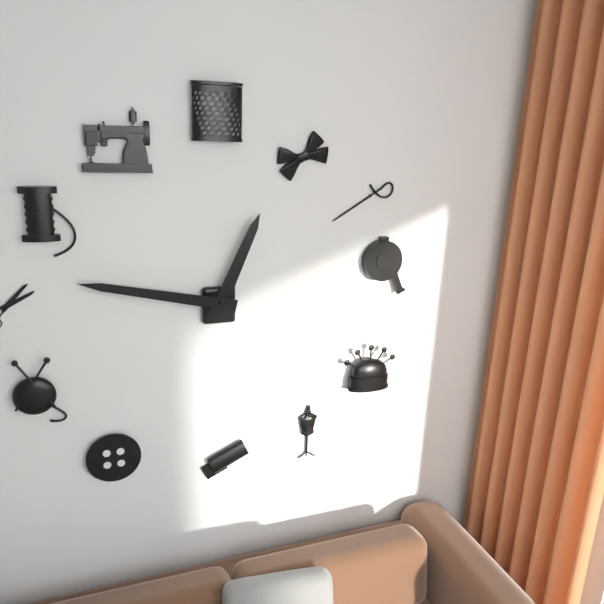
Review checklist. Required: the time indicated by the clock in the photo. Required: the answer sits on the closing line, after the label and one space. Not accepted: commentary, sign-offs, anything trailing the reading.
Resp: 12:47
